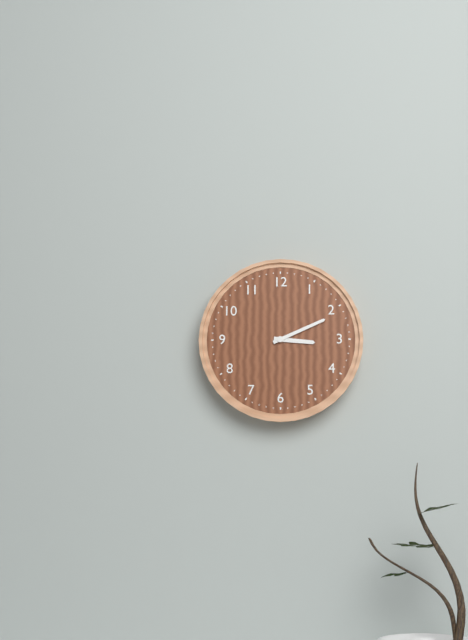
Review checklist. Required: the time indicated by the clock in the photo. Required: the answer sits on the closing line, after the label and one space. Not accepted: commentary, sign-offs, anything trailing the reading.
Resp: 3:11
